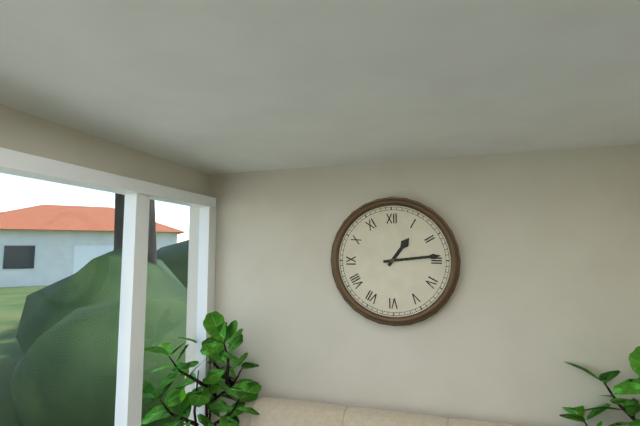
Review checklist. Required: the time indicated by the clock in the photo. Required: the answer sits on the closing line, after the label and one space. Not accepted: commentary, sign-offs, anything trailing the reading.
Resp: 1:14
